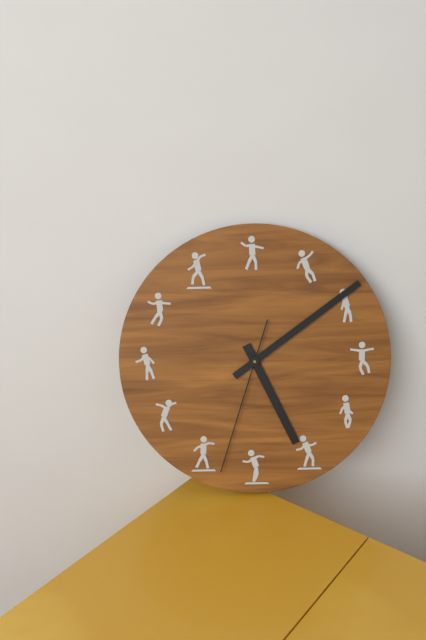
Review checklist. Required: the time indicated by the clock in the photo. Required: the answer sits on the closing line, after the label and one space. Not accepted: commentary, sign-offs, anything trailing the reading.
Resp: 5:09:33
